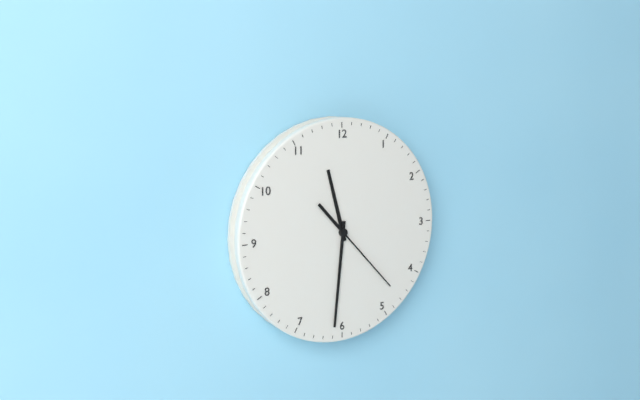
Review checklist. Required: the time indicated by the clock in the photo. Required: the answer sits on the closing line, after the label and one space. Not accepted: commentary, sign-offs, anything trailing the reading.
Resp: 11:31:23
